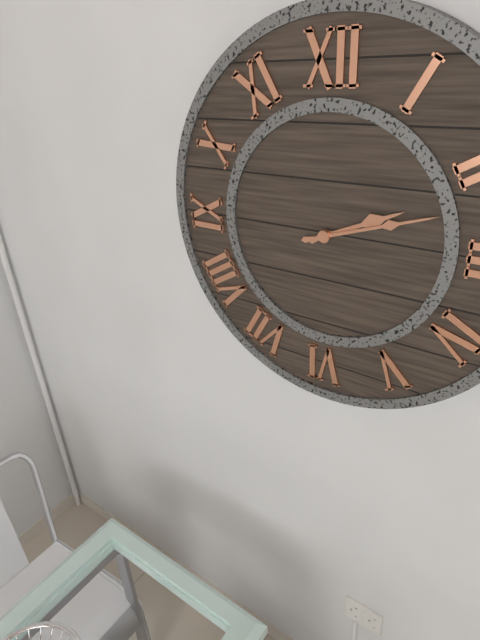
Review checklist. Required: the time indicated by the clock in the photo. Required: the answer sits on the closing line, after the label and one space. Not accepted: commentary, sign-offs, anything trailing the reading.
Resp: 2:12
